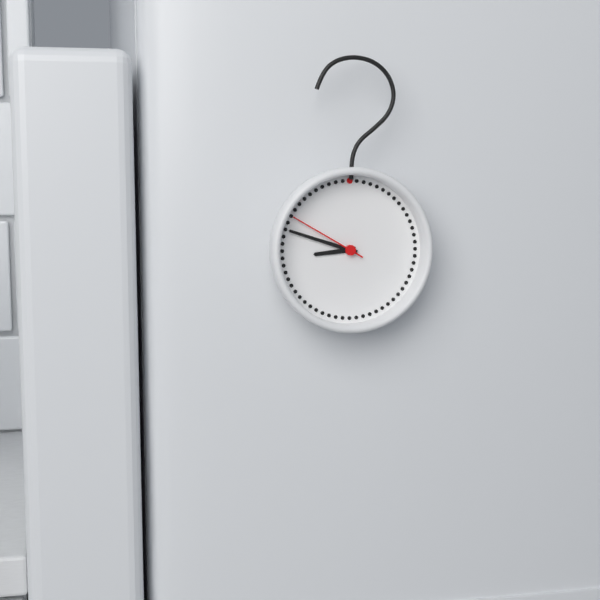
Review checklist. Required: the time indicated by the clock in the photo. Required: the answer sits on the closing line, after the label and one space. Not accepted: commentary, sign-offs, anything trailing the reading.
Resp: 8:48:50
